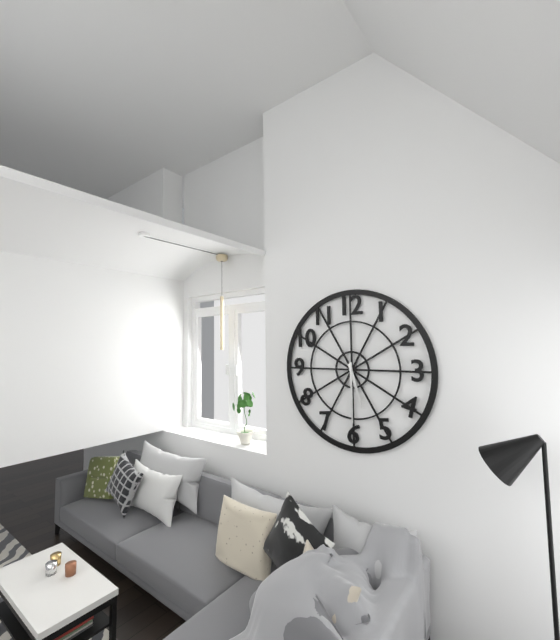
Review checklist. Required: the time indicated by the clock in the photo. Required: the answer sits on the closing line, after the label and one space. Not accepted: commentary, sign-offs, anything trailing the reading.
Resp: 5:30
